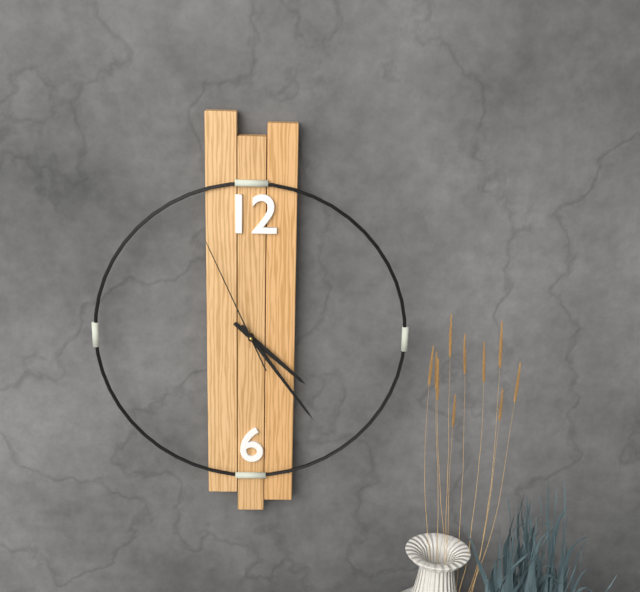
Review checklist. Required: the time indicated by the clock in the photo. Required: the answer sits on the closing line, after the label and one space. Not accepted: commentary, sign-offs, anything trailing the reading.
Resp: 4:24:56
